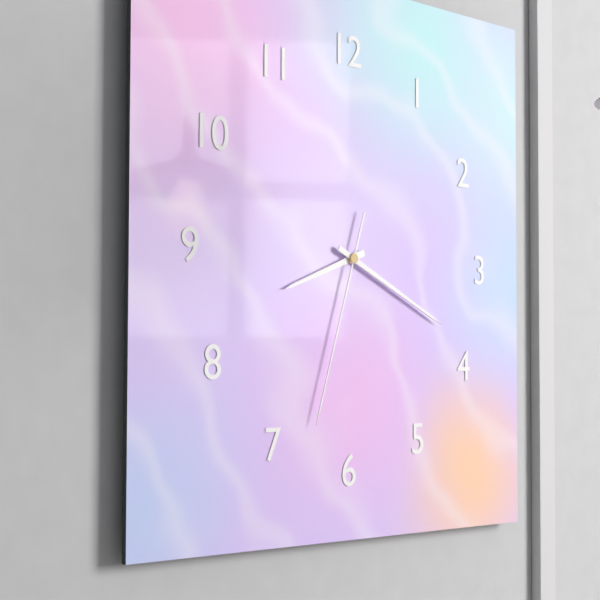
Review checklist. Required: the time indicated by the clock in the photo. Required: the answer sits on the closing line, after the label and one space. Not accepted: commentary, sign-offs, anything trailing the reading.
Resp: 8:19:33
